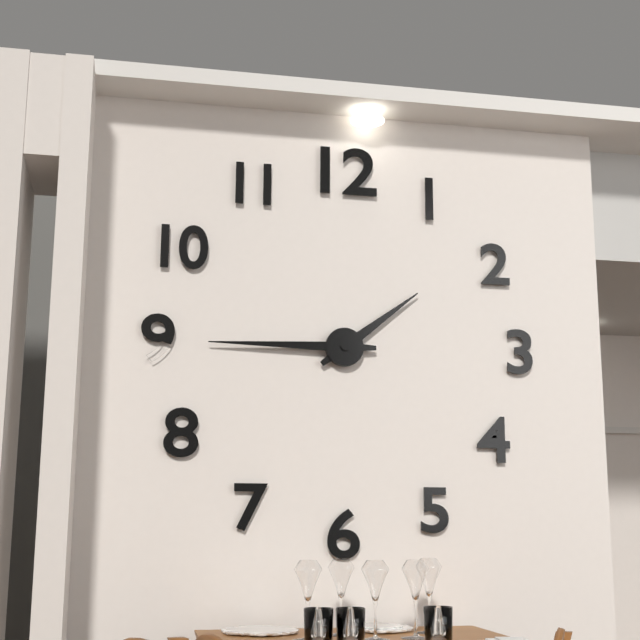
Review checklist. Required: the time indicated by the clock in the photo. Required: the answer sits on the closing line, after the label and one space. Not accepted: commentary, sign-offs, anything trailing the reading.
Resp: 1:45
